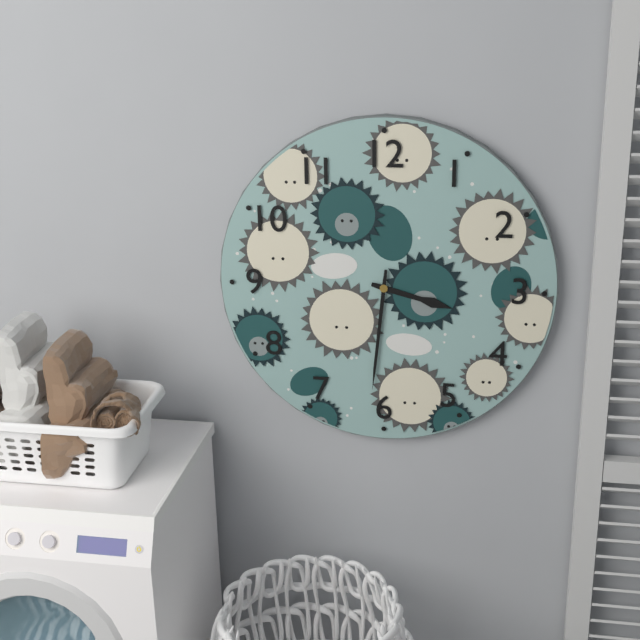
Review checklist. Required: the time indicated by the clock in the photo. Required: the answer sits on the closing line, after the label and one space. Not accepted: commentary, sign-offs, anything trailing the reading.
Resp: 3:31
